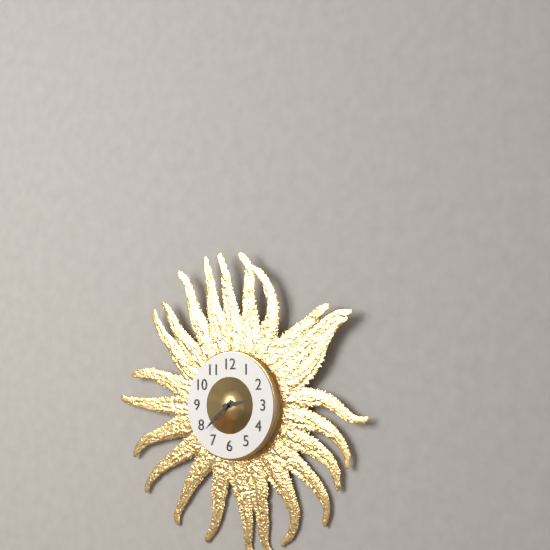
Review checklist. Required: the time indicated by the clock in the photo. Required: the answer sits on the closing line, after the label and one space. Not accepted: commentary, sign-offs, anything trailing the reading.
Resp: 2:38
